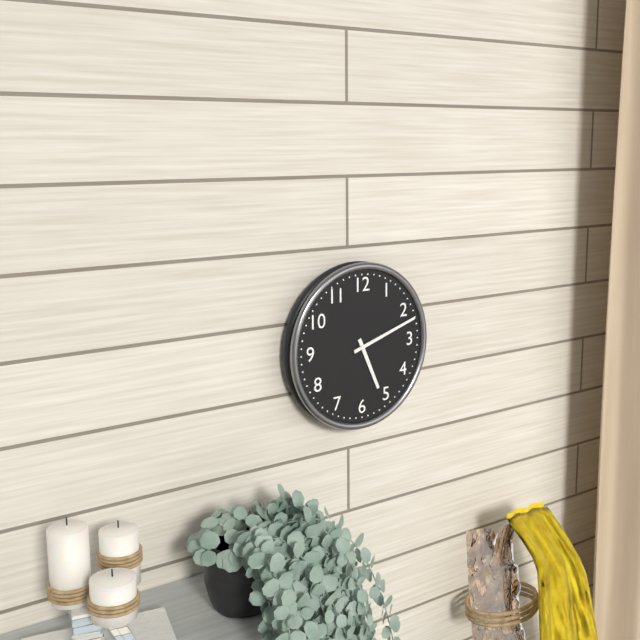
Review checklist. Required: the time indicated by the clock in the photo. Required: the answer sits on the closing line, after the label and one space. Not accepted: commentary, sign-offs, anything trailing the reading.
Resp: 5:12
